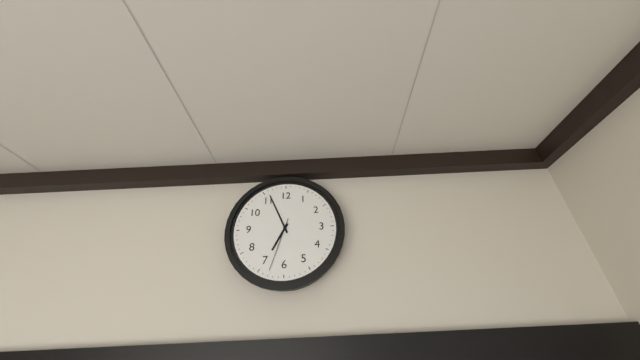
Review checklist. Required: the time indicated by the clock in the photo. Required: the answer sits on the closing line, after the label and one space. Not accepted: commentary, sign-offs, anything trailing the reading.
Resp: 6:56:33
